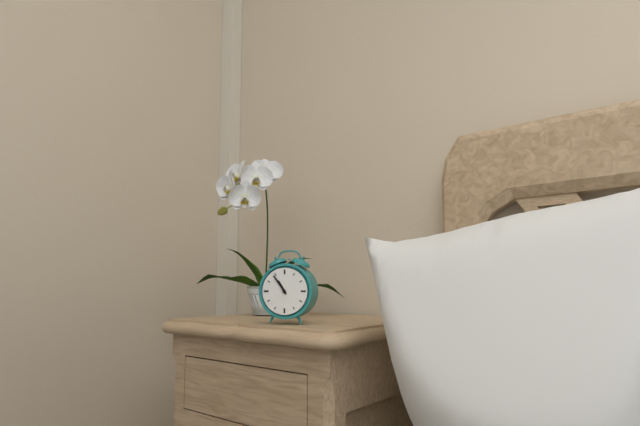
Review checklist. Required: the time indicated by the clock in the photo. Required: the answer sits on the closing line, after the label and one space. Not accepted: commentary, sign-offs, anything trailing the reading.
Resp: 10:54
